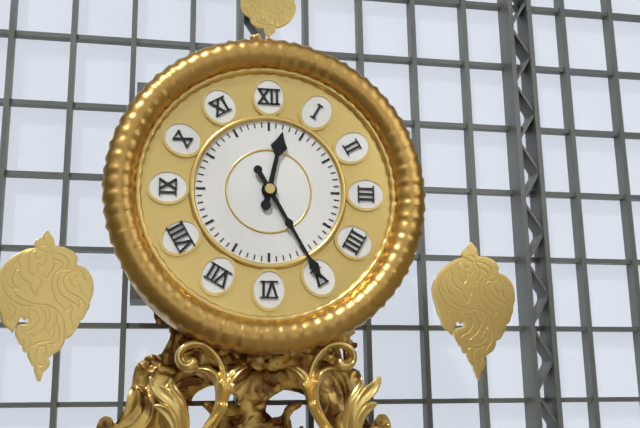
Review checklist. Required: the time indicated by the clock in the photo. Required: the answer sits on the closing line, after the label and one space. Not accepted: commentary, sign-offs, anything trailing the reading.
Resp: 12:25
